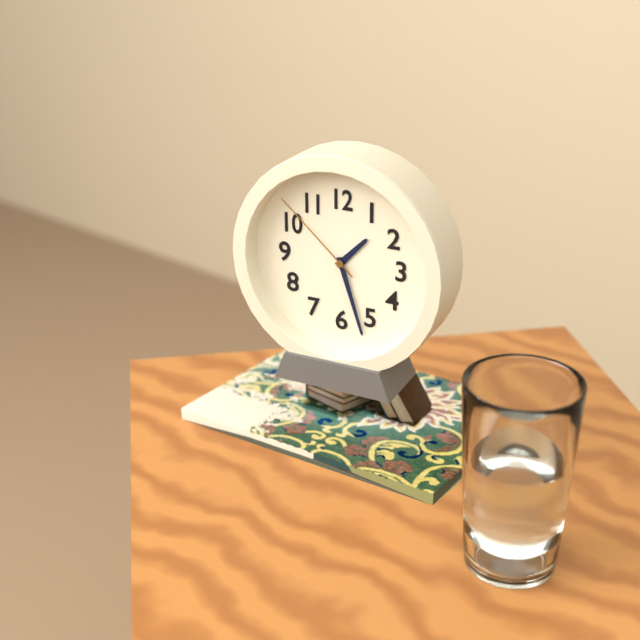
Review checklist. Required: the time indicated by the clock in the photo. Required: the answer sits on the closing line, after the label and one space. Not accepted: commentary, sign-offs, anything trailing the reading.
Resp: 1:27:52
